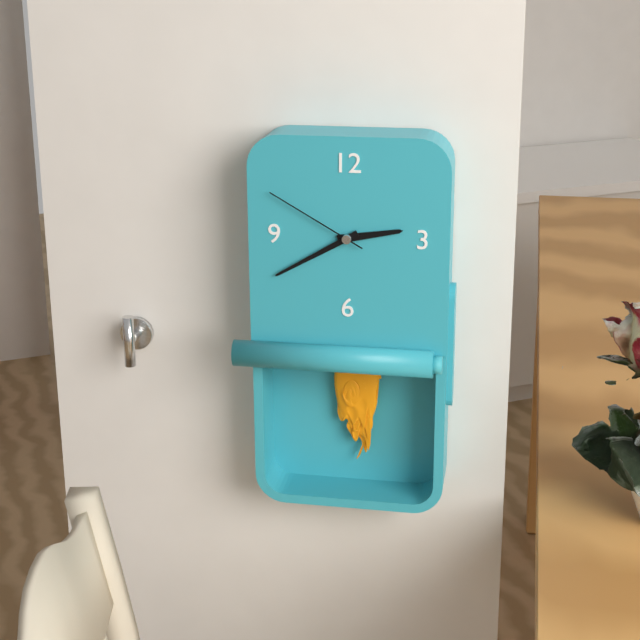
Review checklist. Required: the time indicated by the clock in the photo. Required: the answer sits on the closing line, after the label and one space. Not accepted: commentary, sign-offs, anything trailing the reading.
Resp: 2:40:50
